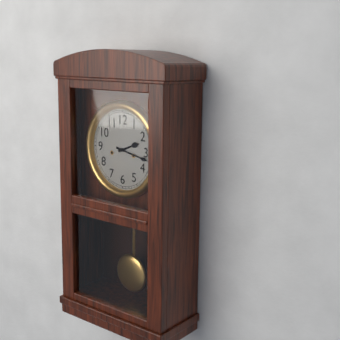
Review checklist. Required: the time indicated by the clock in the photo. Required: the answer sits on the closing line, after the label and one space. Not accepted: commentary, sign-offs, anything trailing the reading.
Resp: 2:17
